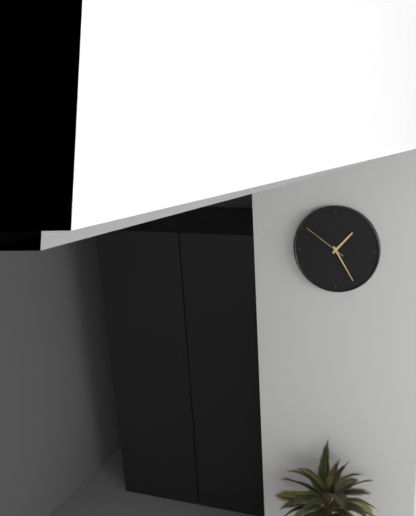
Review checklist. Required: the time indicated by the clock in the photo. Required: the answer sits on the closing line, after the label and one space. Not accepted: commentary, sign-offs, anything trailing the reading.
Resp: 1:25
